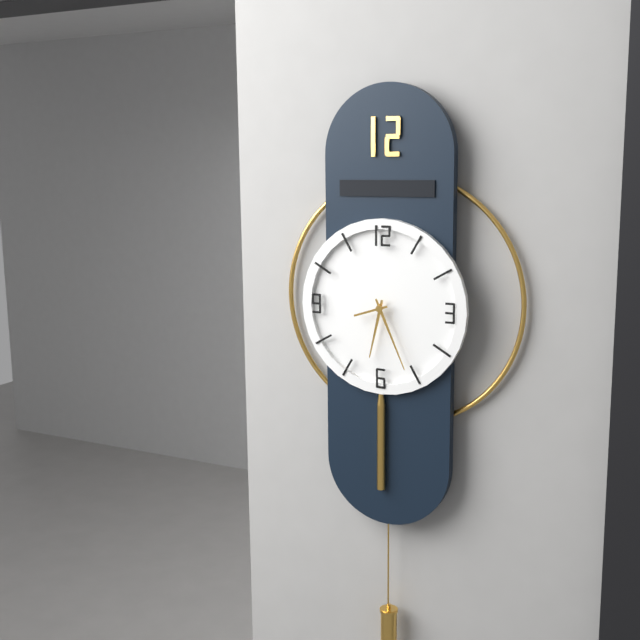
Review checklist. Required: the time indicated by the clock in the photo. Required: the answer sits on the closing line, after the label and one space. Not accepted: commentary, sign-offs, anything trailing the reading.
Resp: 6:26
